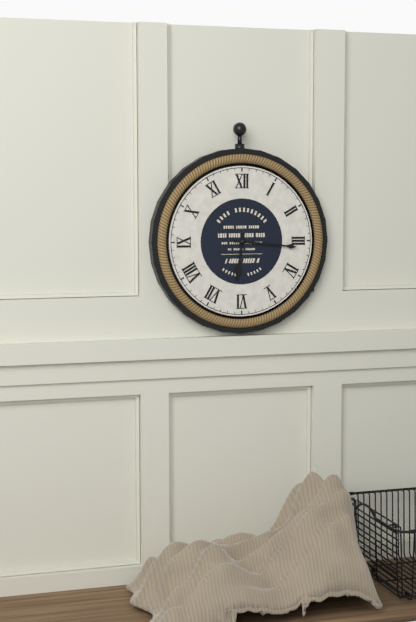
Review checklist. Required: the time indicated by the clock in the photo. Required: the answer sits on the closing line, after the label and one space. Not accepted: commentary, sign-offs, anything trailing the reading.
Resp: 6:16
